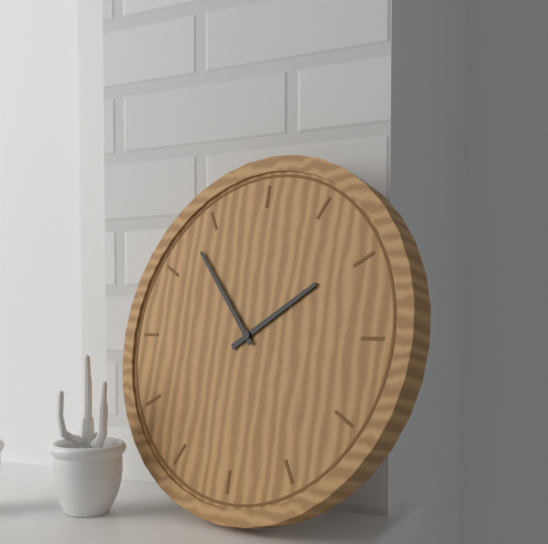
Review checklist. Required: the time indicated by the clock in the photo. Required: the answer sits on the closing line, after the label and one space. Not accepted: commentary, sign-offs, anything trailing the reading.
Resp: 1:53
